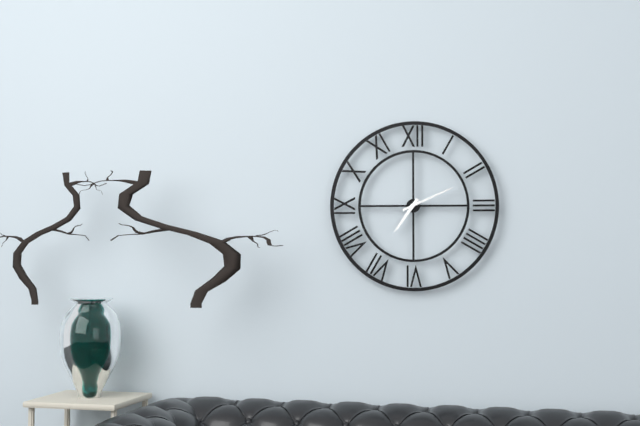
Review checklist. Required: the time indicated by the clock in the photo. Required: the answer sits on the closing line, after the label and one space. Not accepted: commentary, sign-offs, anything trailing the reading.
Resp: 7:11
